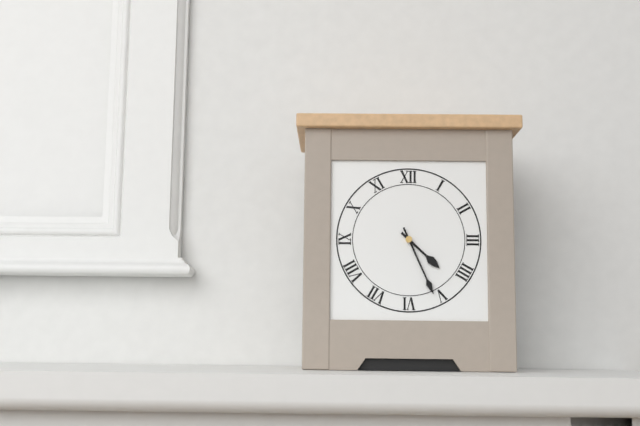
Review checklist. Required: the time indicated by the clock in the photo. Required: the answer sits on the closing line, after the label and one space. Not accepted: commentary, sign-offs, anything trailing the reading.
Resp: 4:26
